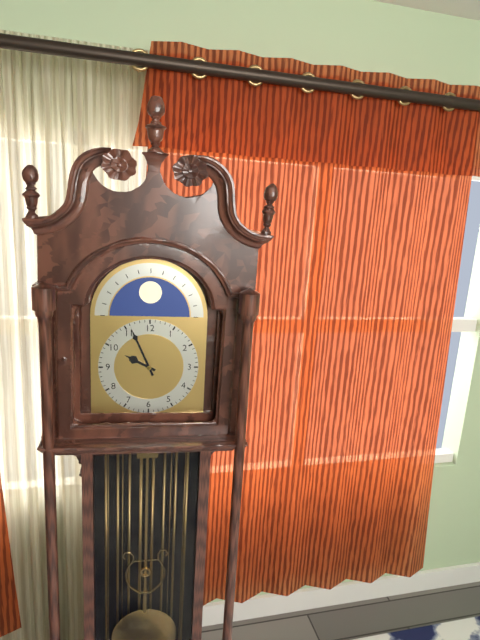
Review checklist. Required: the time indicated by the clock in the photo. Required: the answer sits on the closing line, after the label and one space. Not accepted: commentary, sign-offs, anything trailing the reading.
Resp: 9:56
